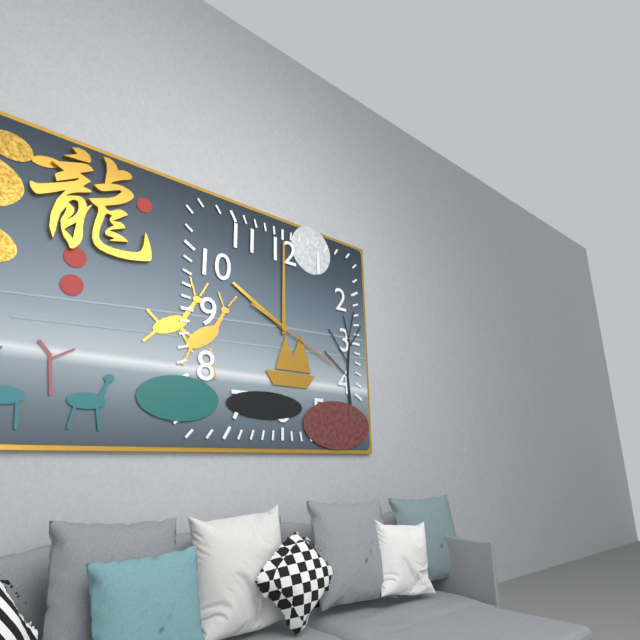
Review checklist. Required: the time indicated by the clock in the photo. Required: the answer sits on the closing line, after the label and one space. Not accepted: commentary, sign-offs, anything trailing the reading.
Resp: 10:00:19
